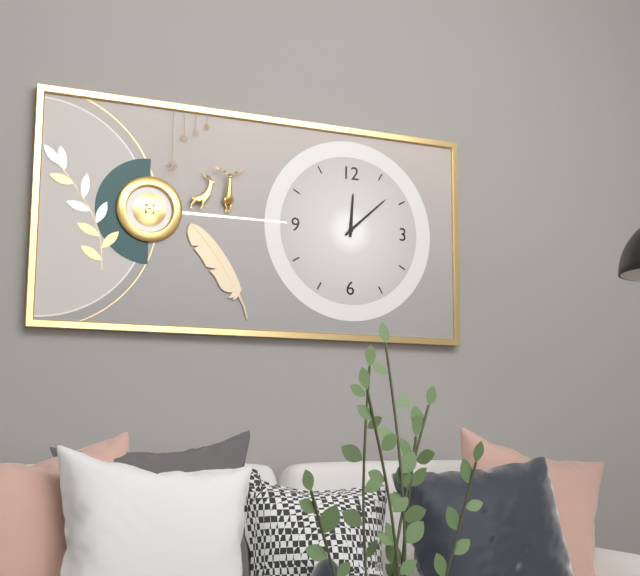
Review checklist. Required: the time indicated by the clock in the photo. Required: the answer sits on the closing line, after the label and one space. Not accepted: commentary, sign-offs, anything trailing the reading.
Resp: 12:08
